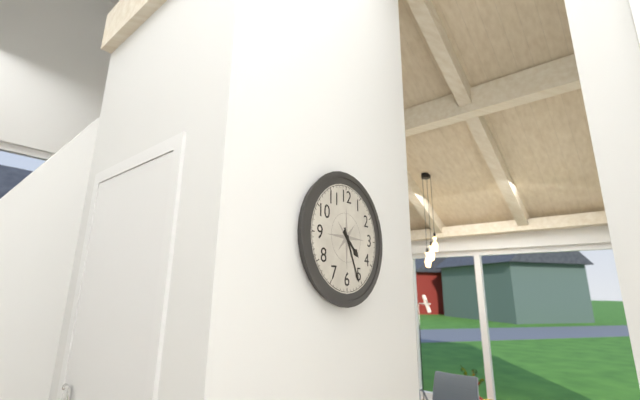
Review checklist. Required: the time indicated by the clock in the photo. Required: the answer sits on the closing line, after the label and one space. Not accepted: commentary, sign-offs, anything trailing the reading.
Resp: 4:26
